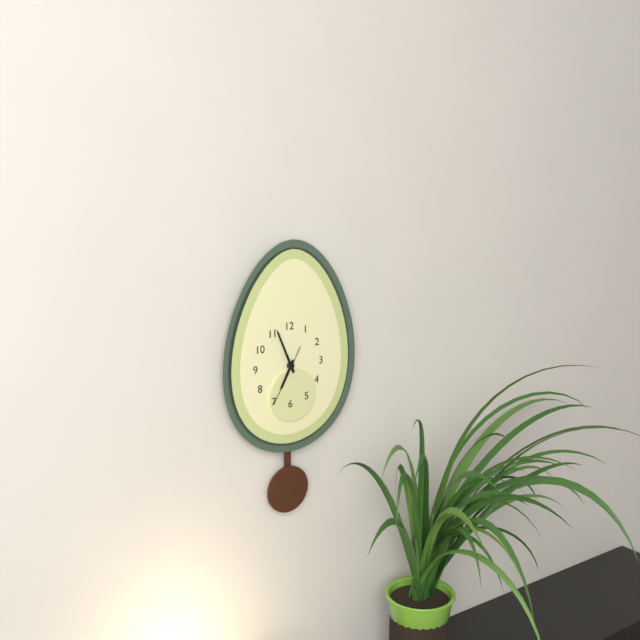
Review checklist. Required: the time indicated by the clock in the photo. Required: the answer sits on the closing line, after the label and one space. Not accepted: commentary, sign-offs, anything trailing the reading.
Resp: 6:56:35
